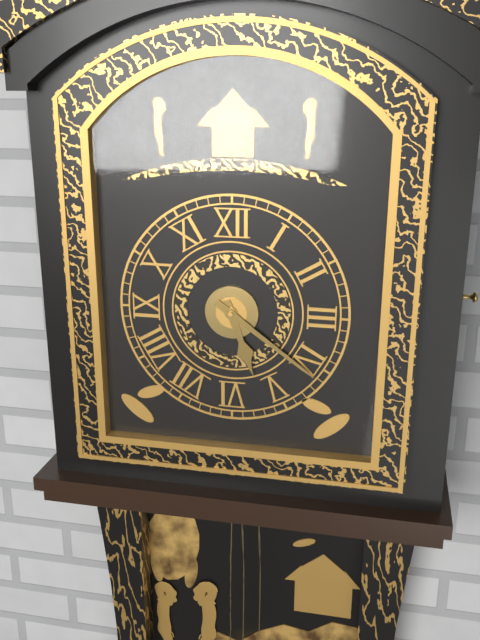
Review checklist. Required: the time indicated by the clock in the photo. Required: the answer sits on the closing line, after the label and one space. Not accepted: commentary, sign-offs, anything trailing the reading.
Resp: 5:21
